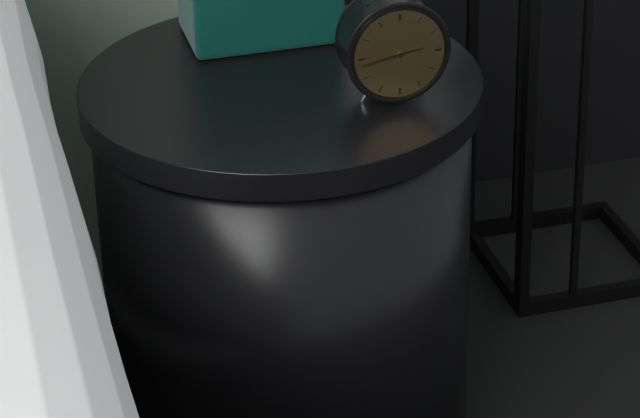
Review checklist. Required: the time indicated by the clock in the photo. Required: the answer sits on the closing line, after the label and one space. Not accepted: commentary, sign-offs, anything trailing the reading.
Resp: 2:43
